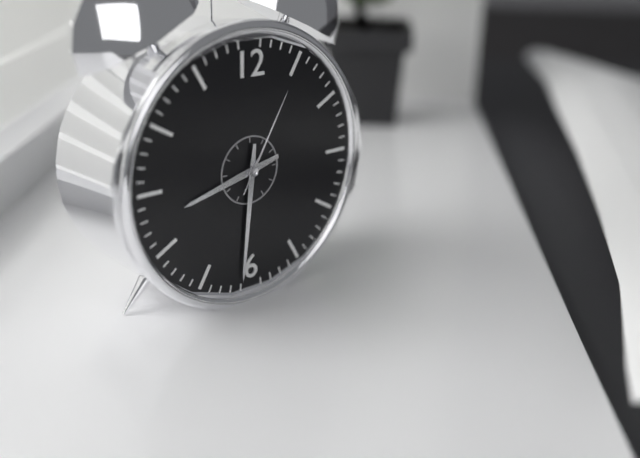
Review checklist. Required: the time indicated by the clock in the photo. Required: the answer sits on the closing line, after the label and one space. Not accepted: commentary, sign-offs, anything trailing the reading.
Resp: 8:31:05
